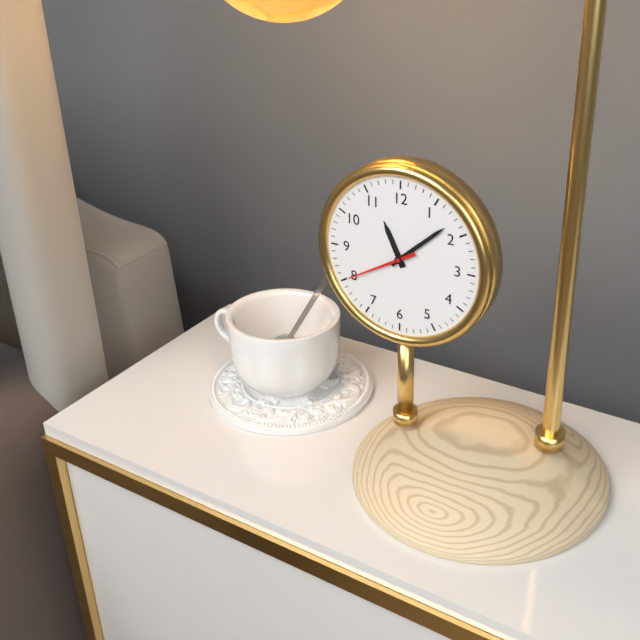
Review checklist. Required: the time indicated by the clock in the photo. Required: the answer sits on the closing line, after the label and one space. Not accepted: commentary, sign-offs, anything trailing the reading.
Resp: 11:08:40
